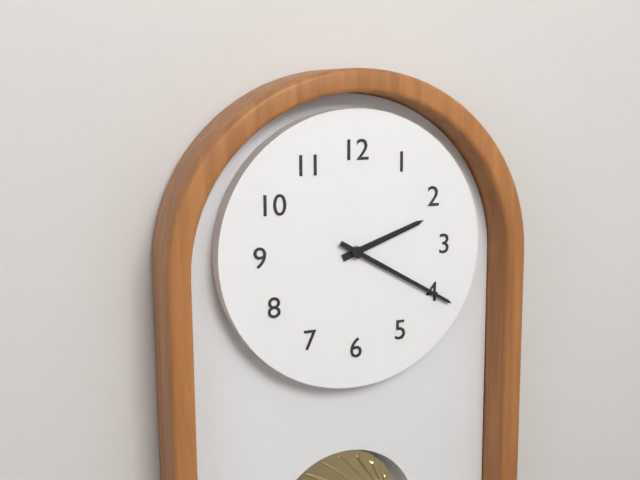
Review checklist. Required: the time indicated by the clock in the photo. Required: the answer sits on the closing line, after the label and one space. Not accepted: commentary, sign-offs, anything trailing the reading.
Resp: 2:20
